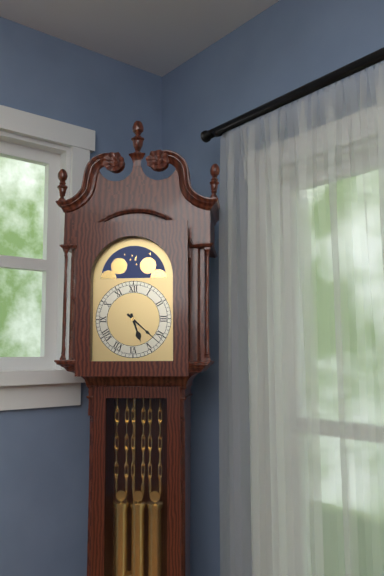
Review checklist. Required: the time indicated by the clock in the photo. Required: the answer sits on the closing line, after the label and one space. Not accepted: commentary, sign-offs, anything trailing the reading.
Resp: 5:22
